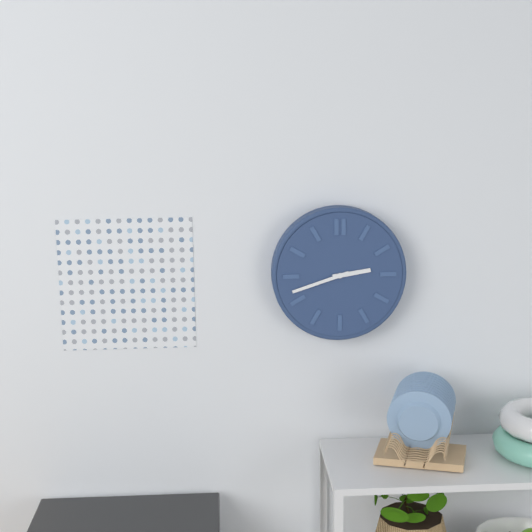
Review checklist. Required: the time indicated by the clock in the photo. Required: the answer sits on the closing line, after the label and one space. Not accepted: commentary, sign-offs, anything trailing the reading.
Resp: 2:42
